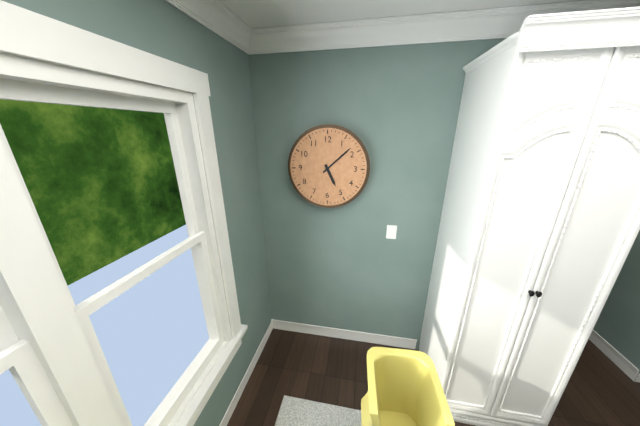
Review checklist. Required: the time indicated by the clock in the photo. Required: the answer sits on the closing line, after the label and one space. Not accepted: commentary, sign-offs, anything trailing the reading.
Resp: 5:08
